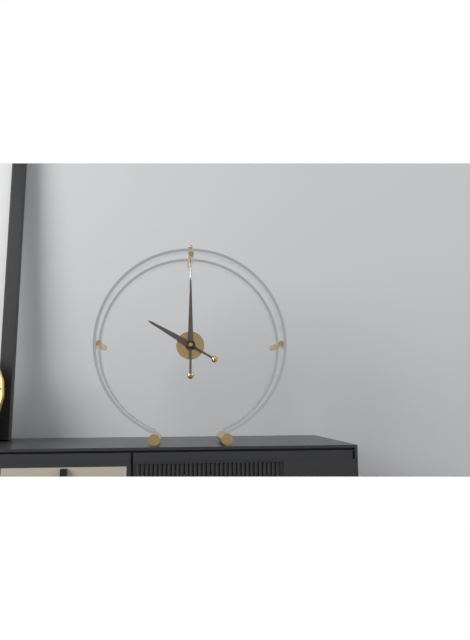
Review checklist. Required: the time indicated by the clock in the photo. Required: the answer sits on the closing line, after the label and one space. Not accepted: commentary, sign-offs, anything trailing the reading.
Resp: 10:00
